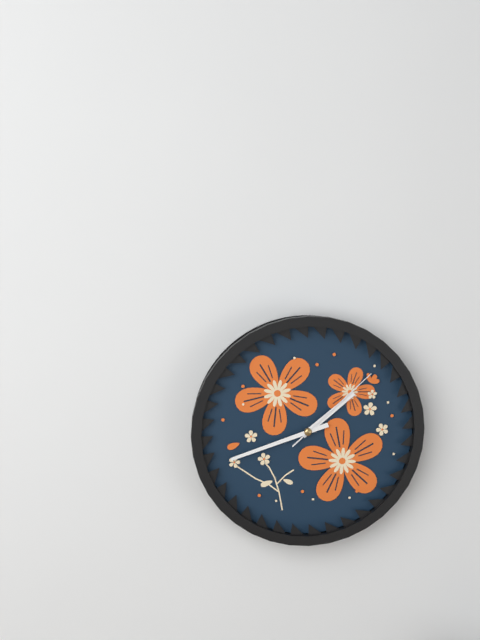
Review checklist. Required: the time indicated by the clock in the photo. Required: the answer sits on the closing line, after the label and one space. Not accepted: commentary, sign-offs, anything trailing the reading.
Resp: 1:42:08
